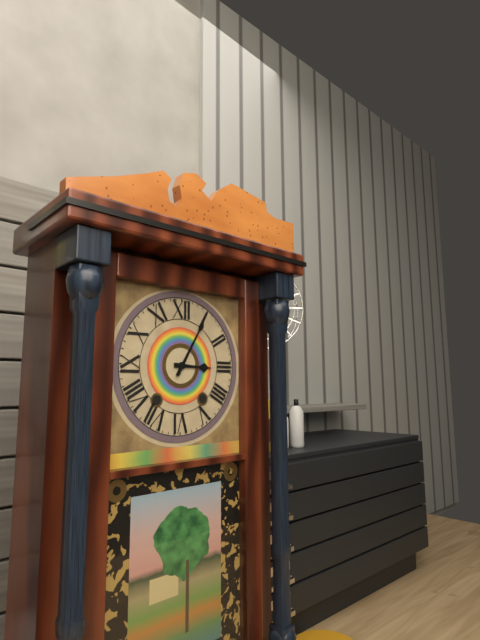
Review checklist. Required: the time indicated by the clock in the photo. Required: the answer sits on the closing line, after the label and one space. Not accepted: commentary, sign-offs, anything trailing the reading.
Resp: 3:05
